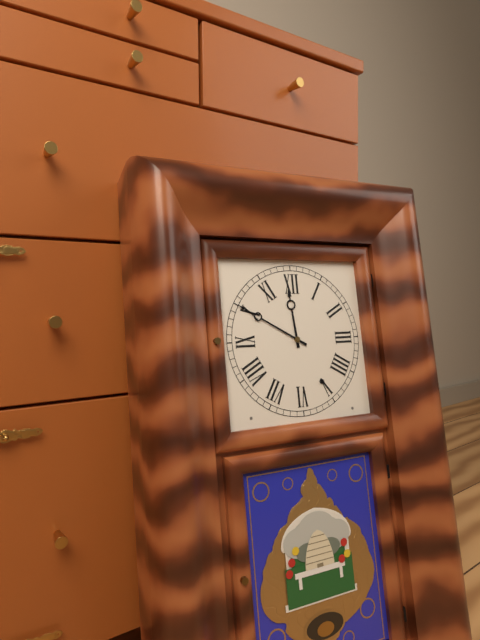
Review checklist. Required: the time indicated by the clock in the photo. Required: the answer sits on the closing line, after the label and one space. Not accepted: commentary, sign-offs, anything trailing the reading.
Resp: 11:50
